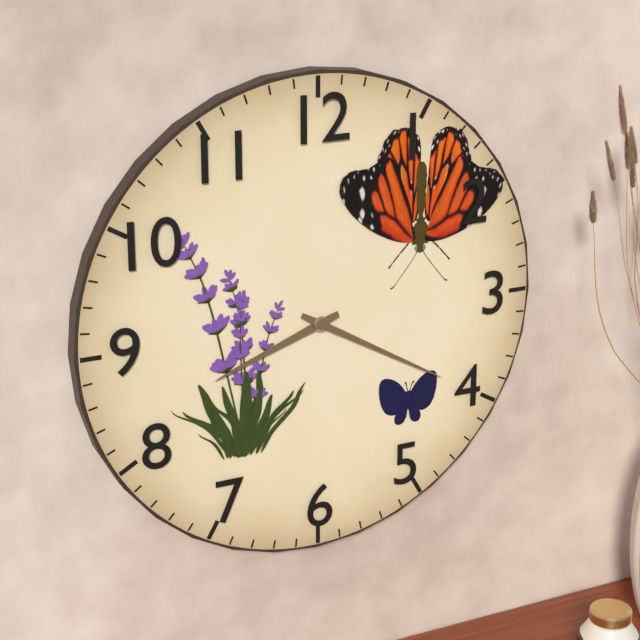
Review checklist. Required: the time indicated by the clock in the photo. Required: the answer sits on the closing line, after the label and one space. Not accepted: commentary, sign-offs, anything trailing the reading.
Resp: 8:20
